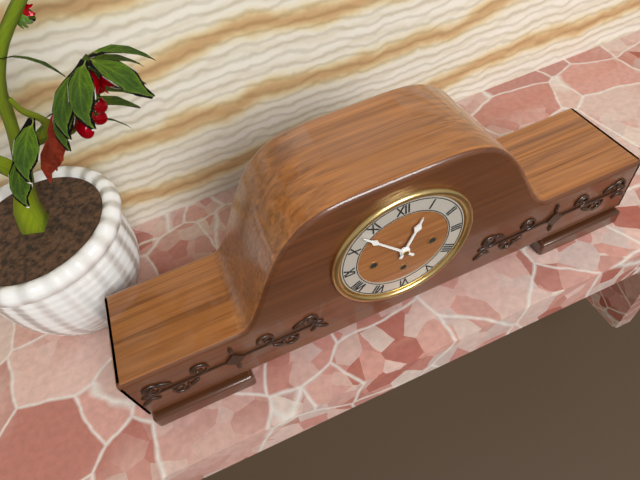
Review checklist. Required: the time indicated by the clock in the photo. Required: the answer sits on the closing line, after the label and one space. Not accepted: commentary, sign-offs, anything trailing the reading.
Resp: 12:53
